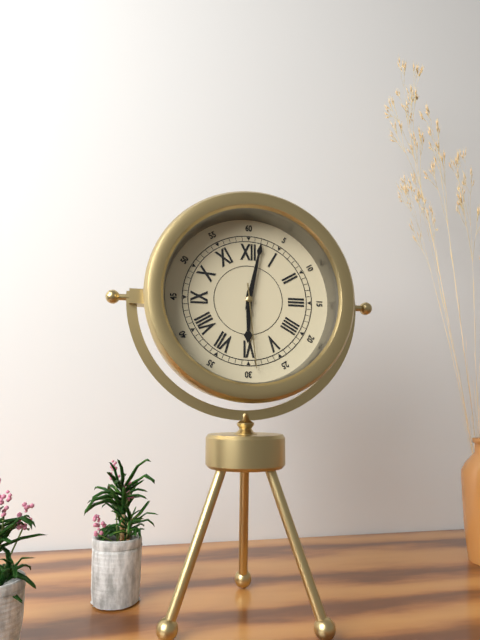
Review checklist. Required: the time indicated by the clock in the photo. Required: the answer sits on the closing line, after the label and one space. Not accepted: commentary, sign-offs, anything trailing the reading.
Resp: 6:02:29
